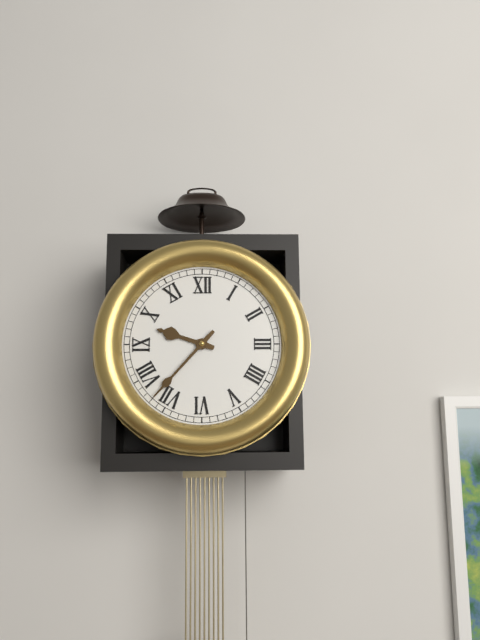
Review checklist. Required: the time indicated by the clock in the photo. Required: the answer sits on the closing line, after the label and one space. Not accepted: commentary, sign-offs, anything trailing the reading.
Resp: 9:37
